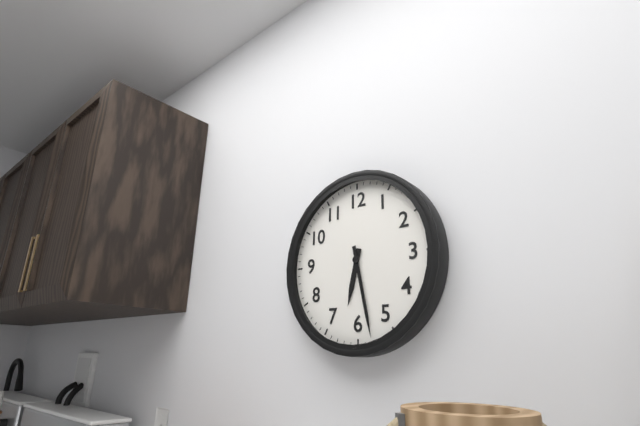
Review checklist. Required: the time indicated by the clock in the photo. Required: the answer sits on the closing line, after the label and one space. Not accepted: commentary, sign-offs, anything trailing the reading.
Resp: 6:28
